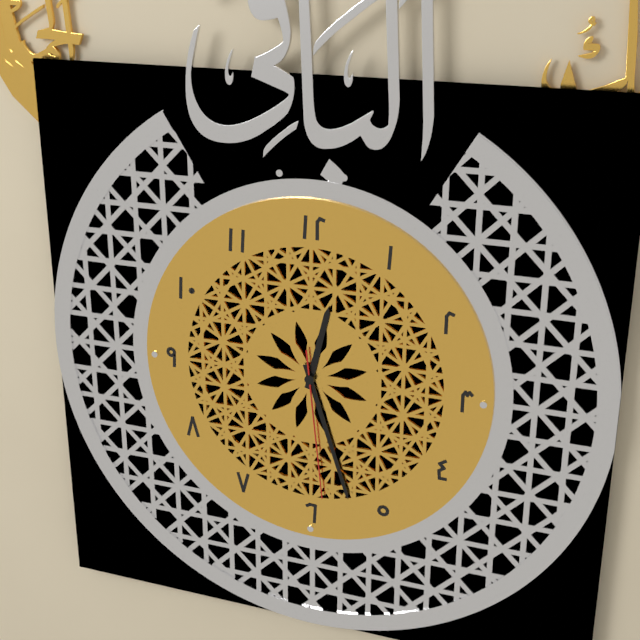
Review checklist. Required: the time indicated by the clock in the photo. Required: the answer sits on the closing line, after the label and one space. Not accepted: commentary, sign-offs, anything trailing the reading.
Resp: 12:27:29
